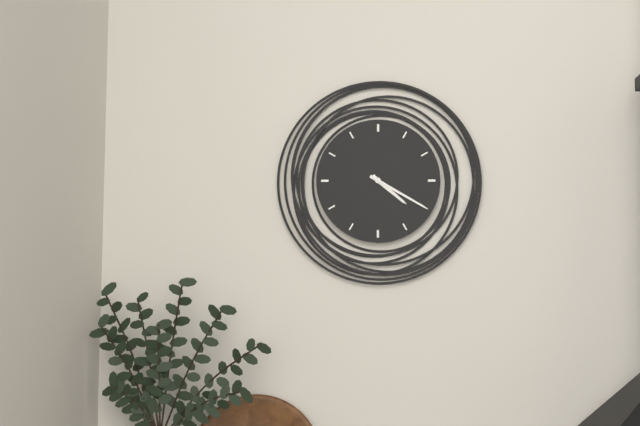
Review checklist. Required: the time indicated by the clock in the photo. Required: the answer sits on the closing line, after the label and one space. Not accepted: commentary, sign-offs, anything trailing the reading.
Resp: 4:20
